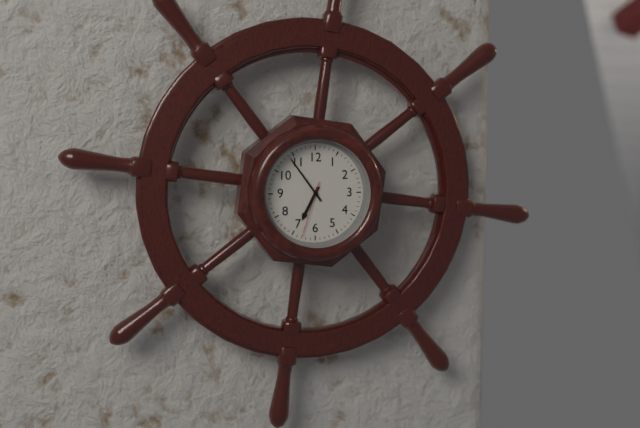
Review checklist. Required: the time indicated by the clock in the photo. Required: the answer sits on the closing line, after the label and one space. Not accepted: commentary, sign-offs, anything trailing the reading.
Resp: 6:54:33
